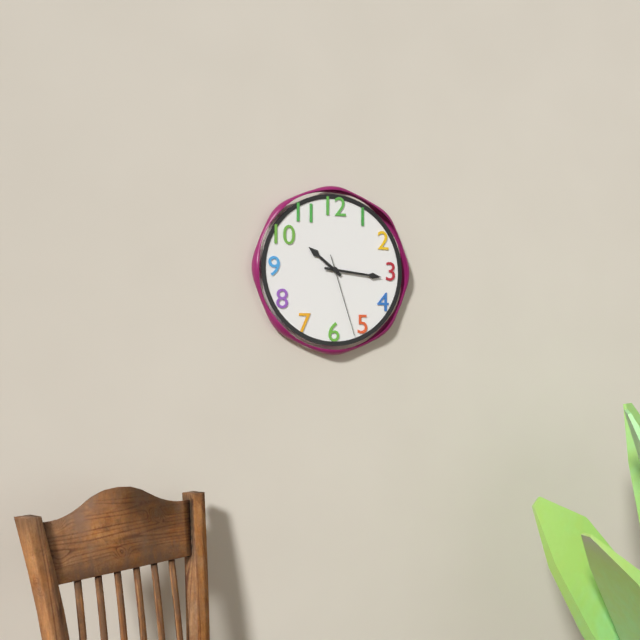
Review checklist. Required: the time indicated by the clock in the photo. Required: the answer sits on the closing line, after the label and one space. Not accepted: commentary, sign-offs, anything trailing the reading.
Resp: 10:16:27
